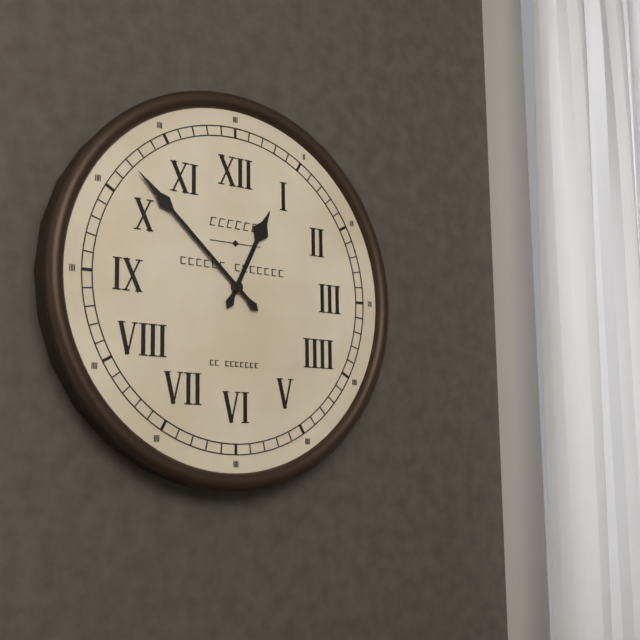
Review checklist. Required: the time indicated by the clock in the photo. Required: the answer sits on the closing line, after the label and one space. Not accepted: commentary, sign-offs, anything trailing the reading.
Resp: 12:52
